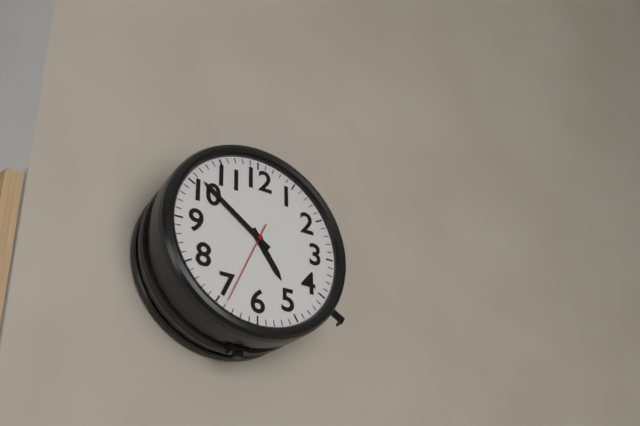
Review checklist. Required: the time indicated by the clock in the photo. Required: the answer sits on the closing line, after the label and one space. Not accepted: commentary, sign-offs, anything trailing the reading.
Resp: 4:51:34
